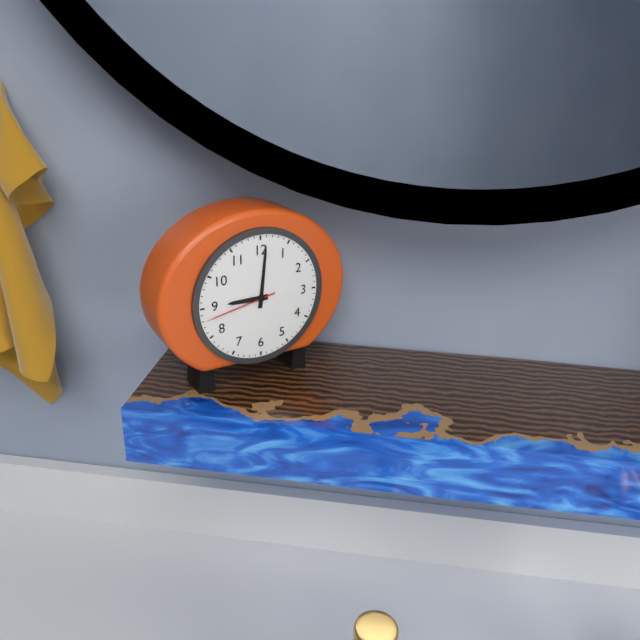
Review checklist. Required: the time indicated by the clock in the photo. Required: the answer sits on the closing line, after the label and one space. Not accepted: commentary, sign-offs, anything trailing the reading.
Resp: 9:01:43
